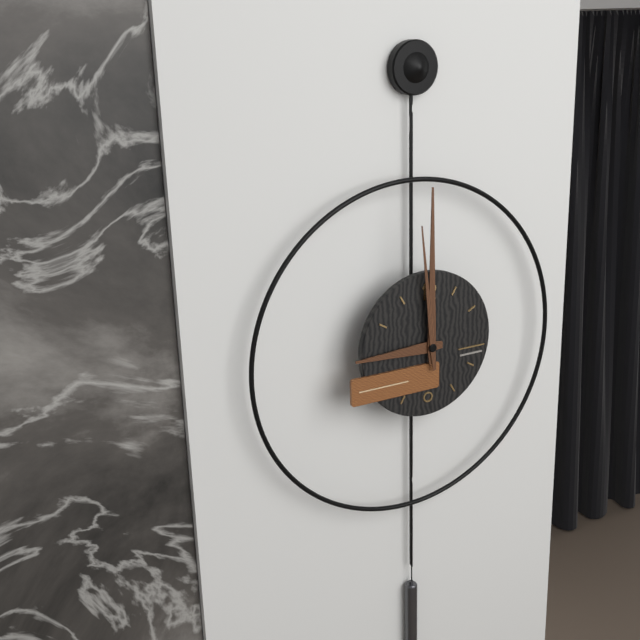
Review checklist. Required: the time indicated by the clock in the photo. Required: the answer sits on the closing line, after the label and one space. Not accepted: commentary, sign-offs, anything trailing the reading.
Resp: 9:00:59
